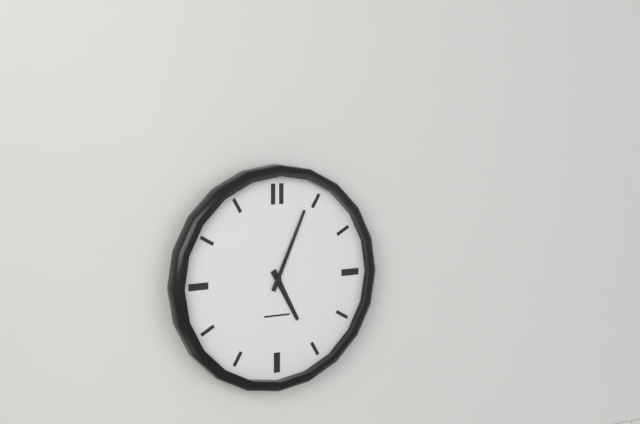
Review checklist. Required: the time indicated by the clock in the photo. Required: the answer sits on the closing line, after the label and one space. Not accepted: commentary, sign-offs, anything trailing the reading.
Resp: 5:04
